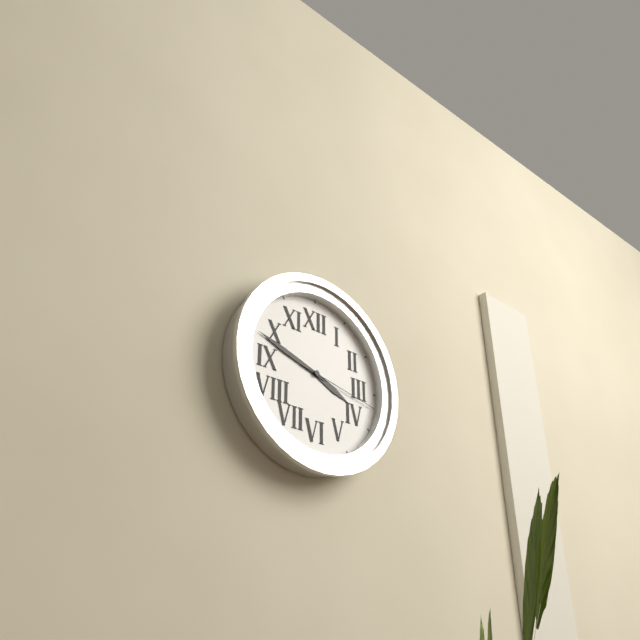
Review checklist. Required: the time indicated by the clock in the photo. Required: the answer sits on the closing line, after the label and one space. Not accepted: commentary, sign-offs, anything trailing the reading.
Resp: 3:48:17
